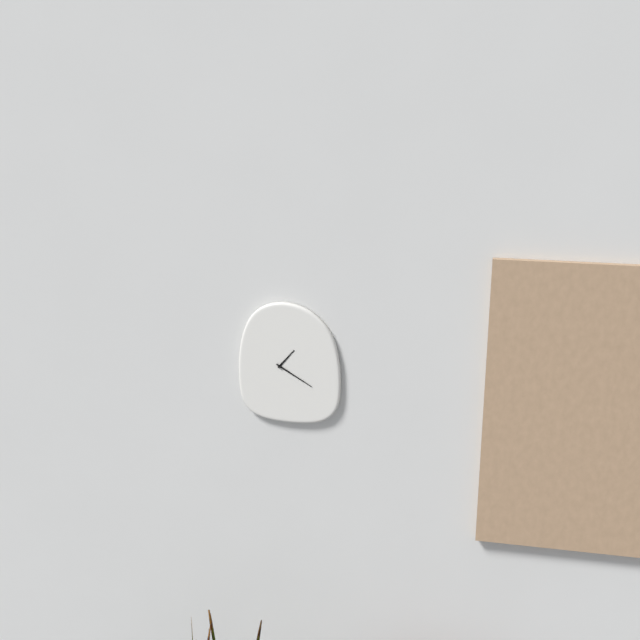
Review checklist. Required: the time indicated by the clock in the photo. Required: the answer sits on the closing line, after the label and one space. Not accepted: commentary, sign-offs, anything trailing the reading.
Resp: 1:20
